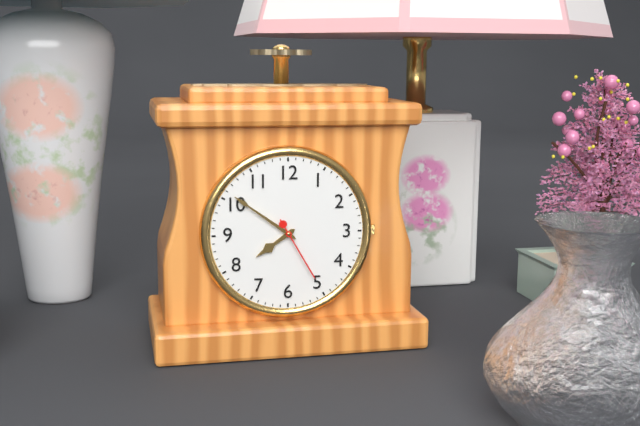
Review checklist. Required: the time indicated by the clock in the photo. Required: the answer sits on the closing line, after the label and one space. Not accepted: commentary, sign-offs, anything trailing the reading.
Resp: 7:51:25
